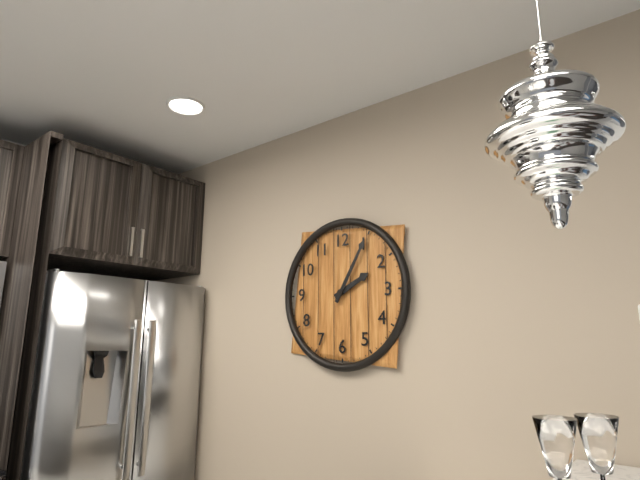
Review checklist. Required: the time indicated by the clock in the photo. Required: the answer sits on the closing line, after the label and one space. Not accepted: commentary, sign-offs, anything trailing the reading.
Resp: 2:05
